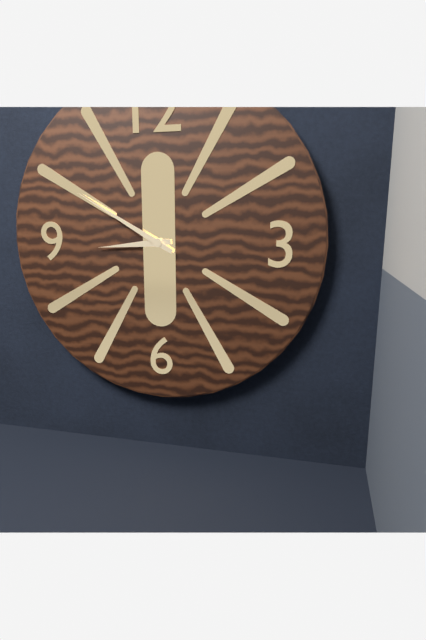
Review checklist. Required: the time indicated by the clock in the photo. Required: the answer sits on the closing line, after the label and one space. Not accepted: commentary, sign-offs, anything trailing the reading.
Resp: 8:50
